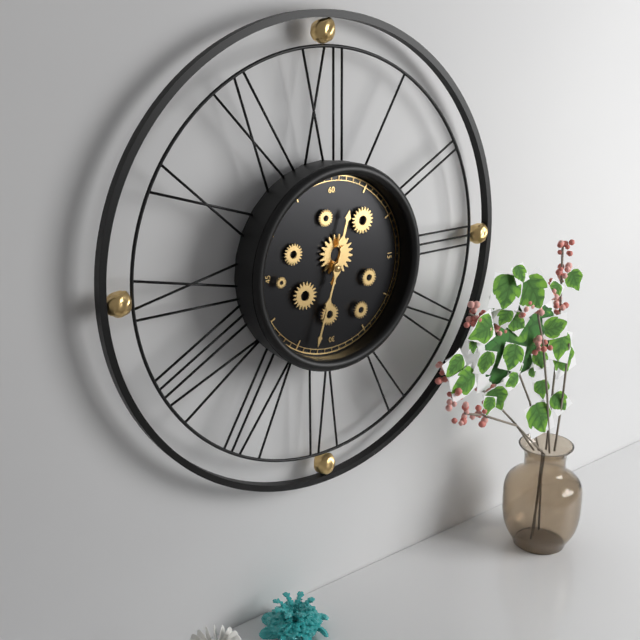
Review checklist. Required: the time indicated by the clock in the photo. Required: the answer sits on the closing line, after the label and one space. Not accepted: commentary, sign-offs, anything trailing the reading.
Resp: 12:33
